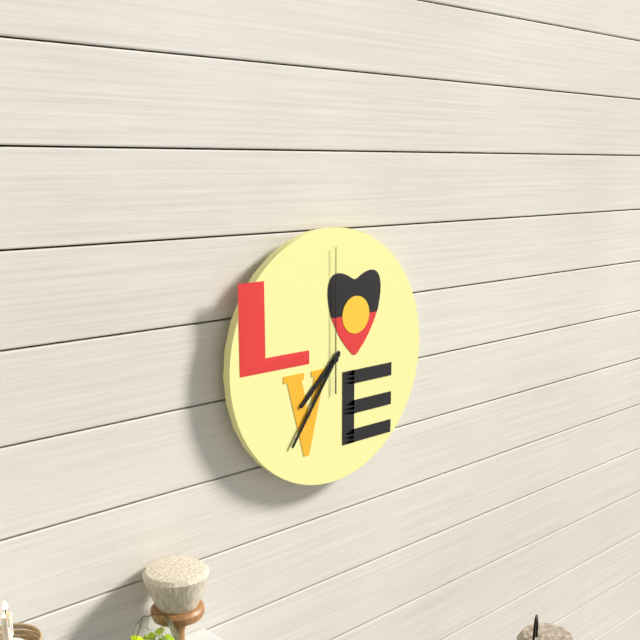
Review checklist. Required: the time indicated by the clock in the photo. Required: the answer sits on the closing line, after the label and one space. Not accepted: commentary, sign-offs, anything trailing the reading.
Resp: 7:36:00
